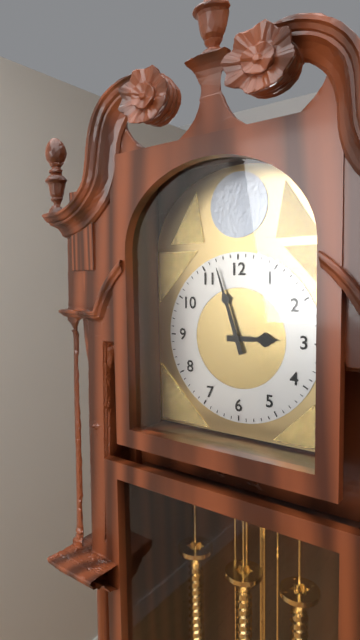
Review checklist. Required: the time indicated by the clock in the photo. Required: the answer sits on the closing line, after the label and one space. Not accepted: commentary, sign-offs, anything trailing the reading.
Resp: 2:57
